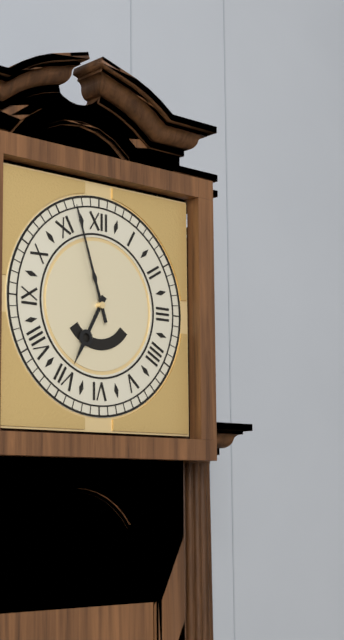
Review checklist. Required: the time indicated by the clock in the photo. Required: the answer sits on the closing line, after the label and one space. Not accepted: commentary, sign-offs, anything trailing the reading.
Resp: 6:57
